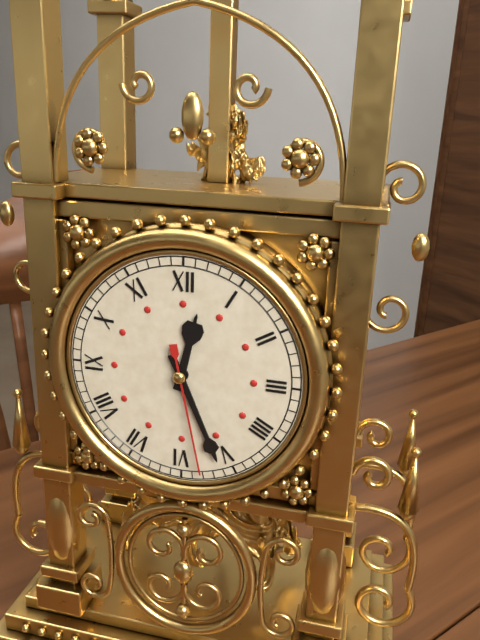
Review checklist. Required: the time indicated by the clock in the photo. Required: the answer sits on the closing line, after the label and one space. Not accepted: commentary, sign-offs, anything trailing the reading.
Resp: 12:26:28
